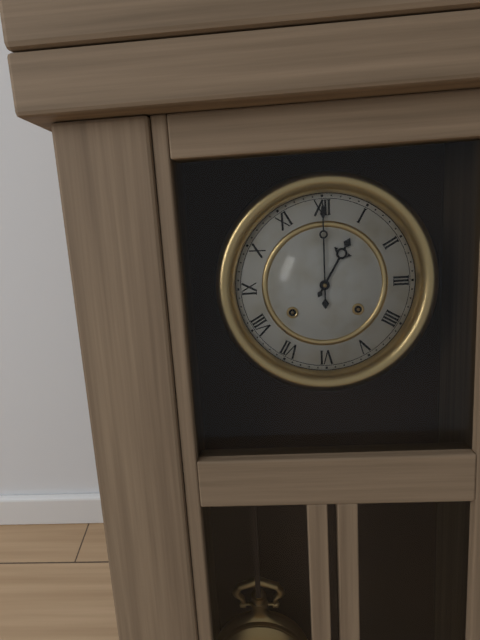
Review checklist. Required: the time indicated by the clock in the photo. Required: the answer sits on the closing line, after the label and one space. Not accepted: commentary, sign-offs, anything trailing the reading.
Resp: 1:00
